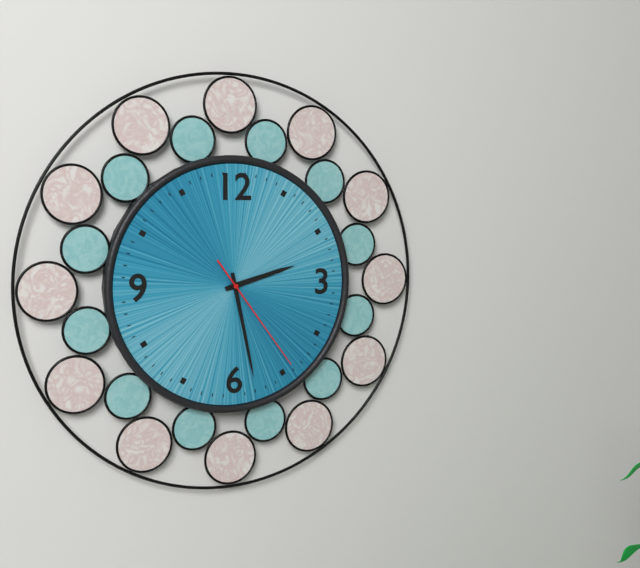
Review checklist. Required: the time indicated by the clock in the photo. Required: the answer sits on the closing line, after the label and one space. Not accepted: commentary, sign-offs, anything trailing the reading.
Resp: 2:28:24
